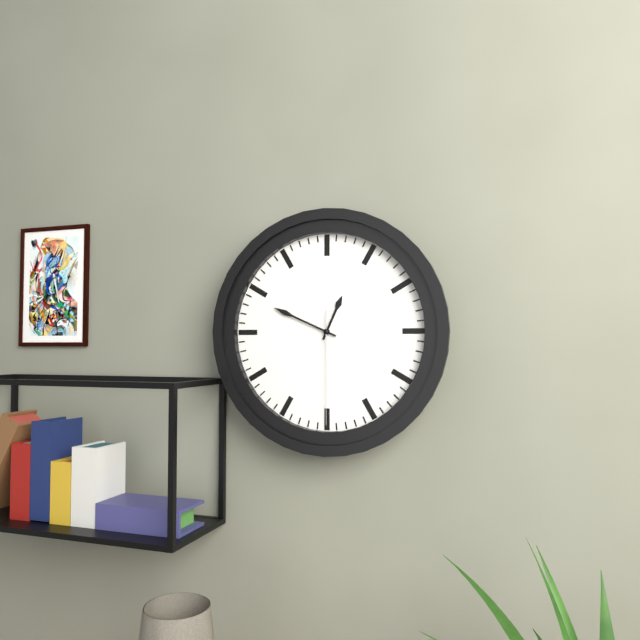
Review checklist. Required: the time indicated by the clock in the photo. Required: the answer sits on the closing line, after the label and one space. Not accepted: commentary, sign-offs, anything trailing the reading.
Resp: 12:49:30
